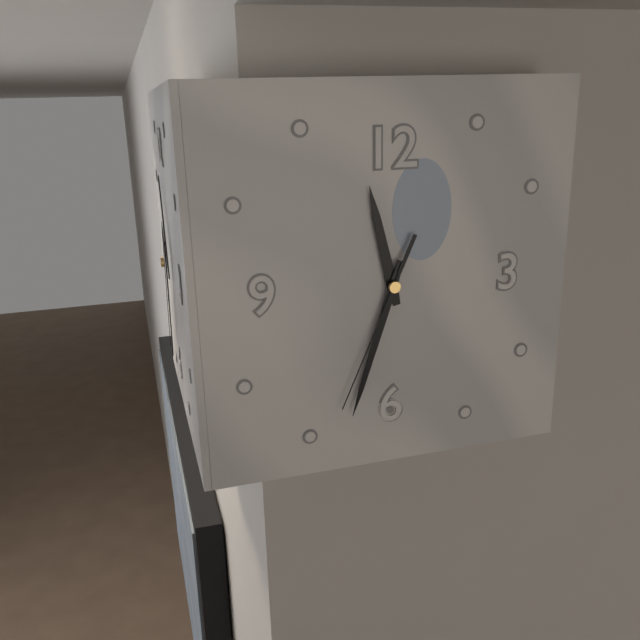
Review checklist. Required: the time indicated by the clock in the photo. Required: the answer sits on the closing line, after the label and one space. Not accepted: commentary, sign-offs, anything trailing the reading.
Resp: 11:33:34
